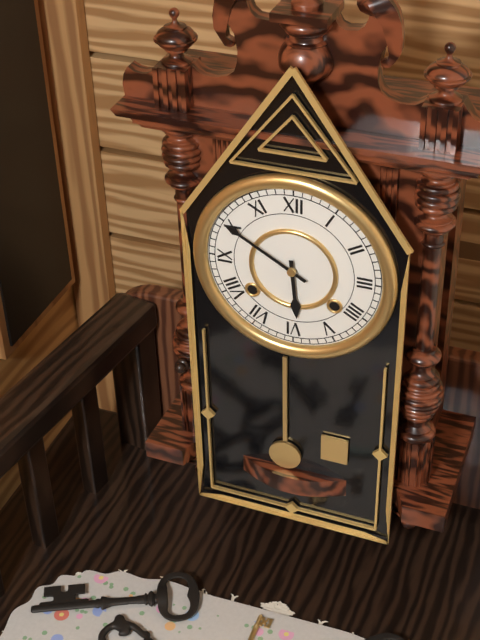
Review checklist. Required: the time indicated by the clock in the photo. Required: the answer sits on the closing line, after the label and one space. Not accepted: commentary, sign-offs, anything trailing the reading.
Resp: 5:50
